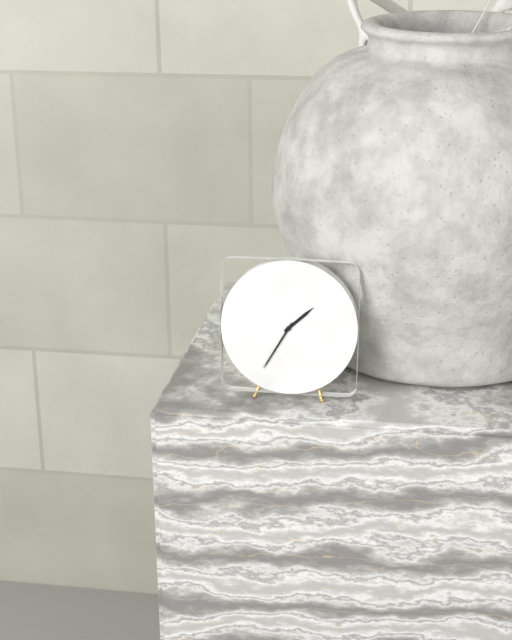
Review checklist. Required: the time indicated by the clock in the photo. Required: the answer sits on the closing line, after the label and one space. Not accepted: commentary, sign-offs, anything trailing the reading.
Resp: 1:35
